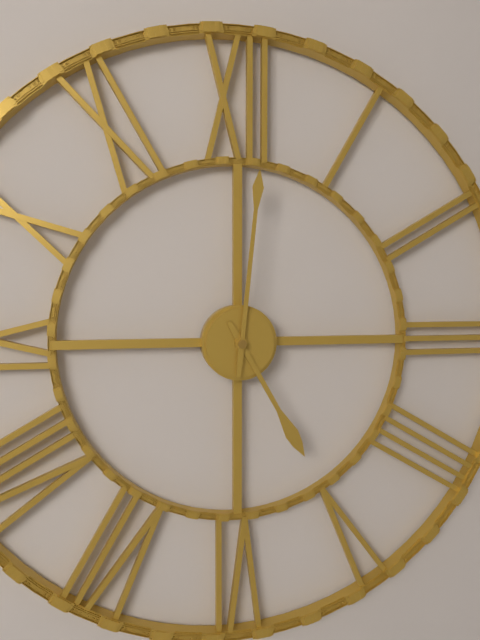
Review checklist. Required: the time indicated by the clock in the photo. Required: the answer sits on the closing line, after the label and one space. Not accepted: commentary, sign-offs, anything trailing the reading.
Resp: 5:01
